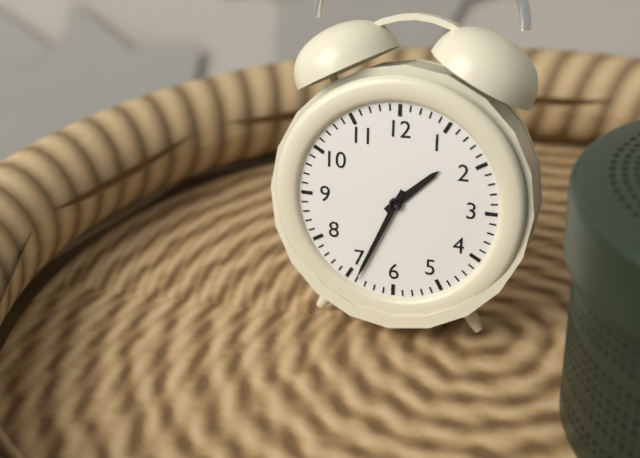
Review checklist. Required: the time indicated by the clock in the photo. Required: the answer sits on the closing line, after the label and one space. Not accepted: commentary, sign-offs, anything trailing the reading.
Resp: 1:34
